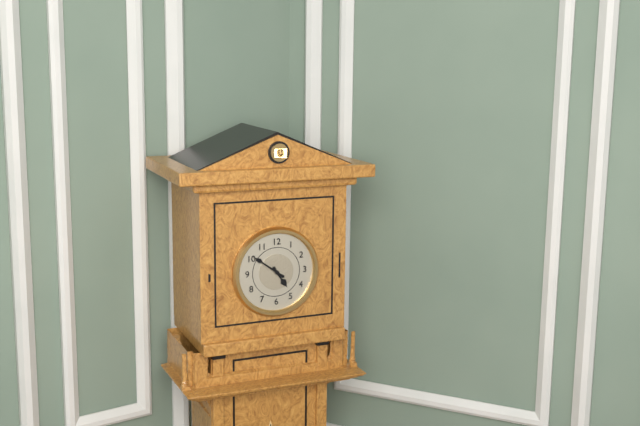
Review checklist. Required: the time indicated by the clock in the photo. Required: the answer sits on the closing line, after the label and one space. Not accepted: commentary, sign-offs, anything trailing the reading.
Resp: 4:51
